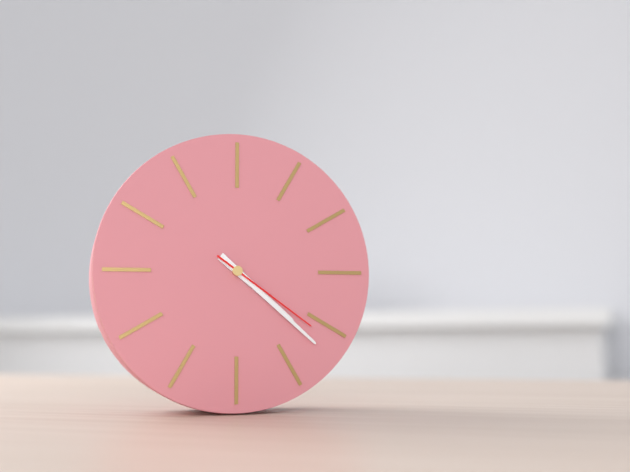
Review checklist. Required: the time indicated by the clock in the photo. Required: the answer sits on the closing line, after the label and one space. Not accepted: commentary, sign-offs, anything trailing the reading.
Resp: 4:22:21
